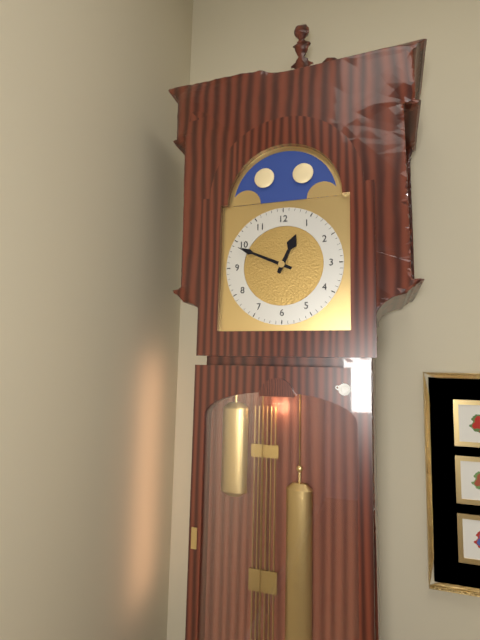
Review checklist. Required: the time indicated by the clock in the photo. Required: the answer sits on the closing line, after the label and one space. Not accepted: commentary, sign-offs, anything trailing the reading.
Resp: 12:49
